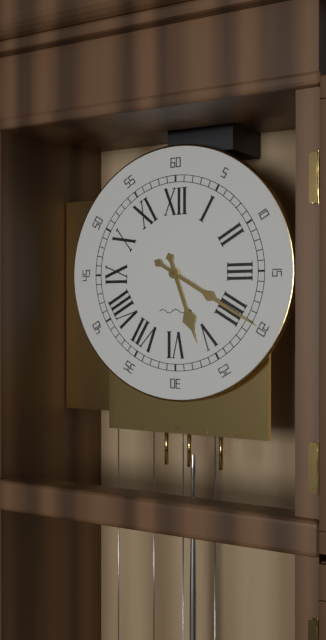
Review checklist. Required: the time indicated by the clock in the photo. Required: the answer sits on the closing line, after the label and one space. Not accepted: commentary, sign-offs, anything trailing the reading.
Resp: 5:20
